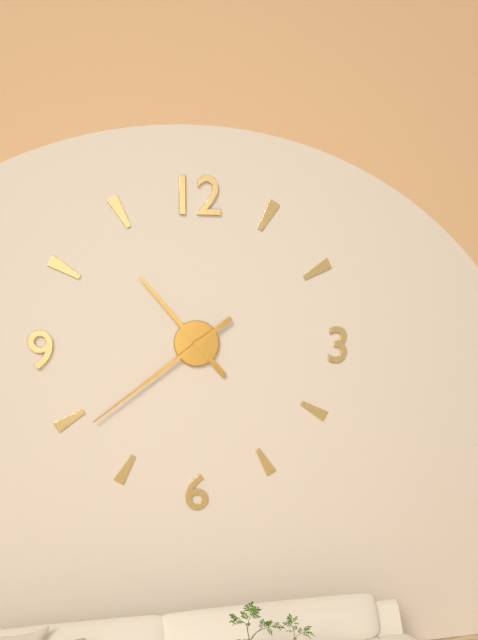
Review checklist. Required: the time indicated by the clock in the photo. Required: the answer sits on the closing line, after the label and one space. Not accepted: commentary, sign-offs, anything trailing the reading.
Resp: 10:39
